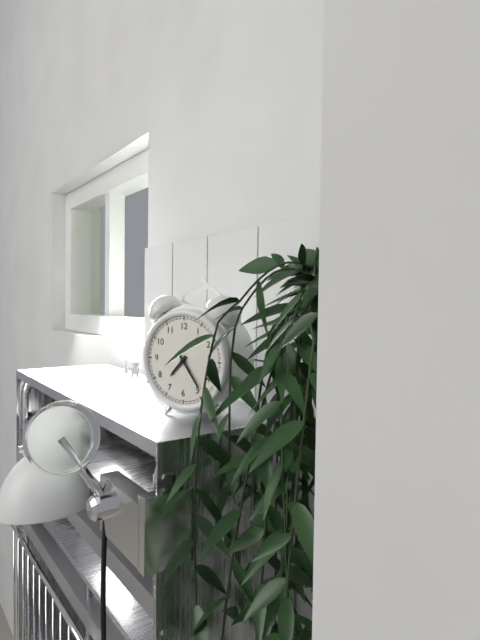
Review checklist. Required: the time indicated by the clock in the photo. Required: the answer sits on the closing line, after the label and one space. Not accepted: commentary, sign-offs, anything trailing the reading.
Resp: 7:24
